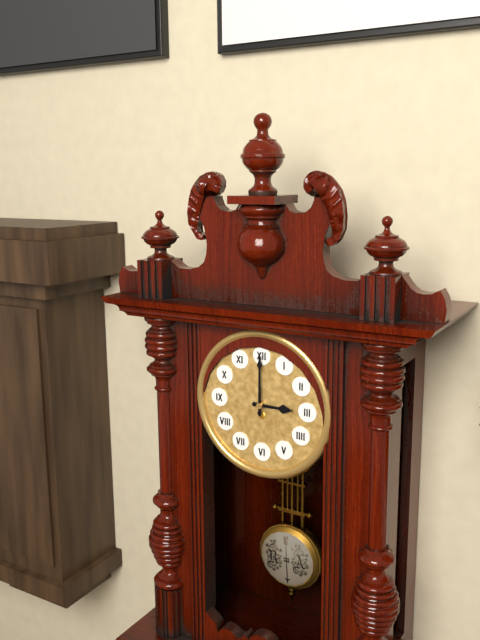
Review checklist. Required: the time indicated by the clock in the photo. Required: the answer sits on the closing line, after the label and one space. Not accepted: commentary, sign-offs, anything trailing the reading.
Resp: 3:00
